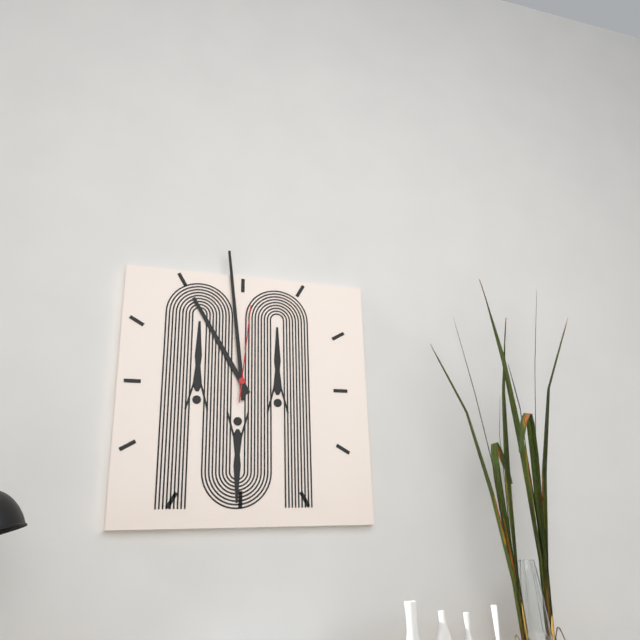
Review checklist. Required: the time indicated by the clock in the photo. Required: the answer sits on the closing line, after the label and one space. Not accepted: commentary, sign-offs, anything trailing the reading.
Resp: 10:59:01
